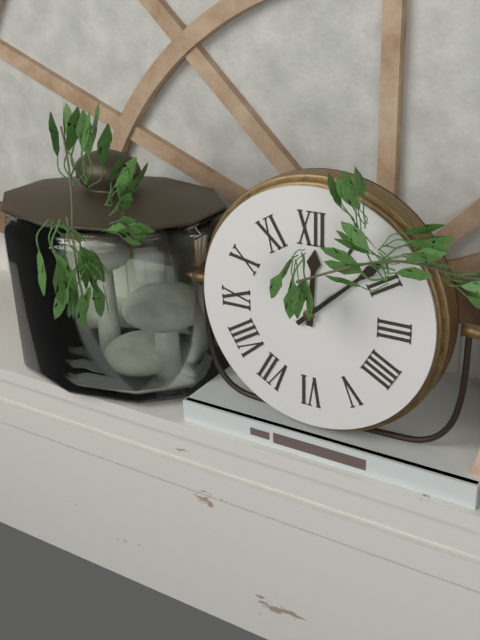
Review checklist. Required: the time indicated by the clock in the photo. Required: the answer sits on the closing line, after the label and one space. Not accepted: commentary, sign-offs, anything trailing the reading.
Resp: 12:08
